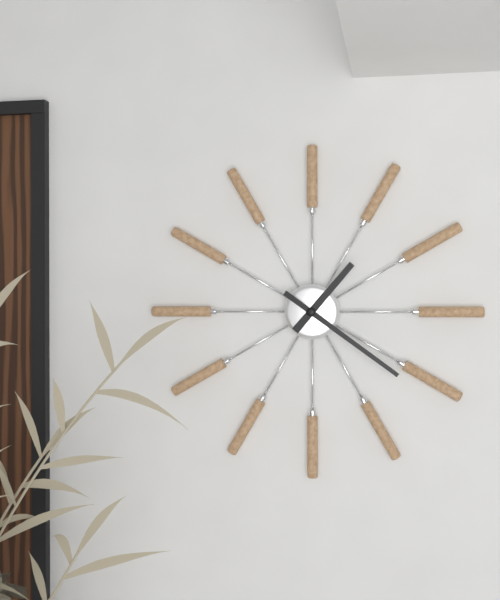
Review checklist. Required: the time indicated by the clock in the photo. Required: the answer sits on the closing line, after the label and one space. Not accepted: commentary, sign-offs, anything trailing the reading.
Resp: 1:21
